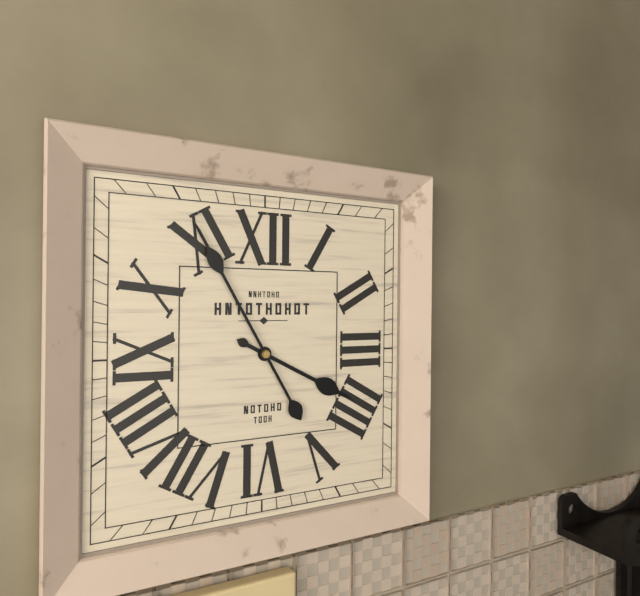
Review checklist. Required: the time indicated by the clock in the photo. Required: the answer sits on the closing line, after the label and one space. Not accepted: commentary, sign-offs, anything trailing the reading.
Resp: 3:55
